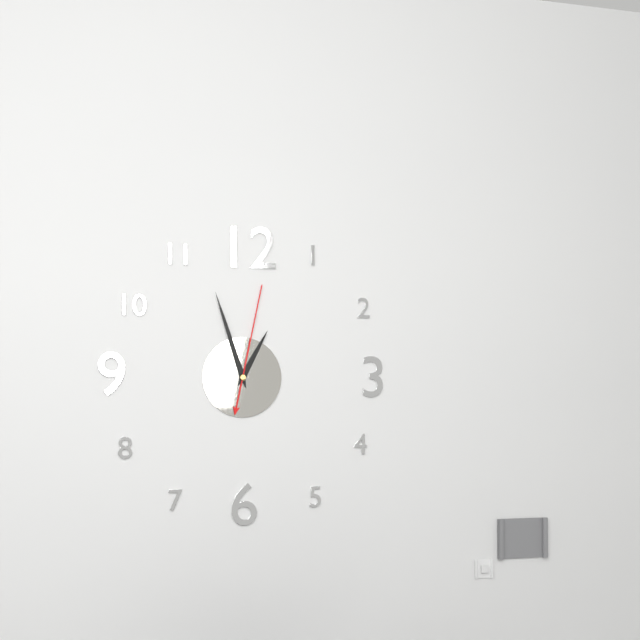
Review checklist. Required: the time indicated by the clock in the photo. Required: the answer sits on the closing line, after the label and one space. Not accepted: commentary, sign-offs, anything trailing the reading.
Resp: 12:57:02
